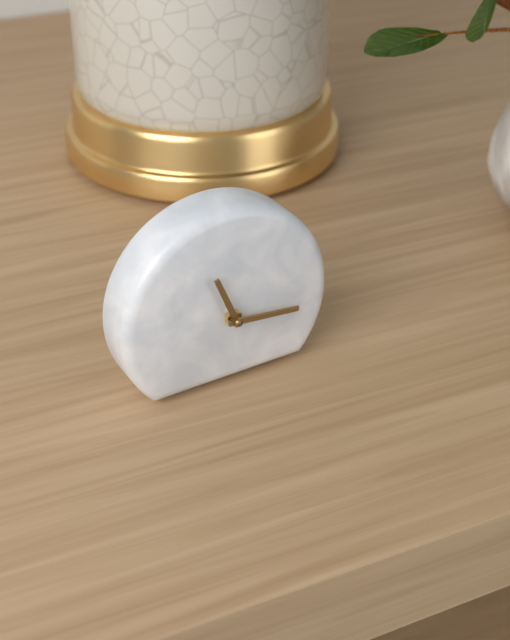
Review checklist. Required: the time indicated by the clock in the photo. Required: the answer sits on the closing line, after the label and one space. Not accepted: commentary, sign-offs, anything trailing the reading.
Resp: 11:16
